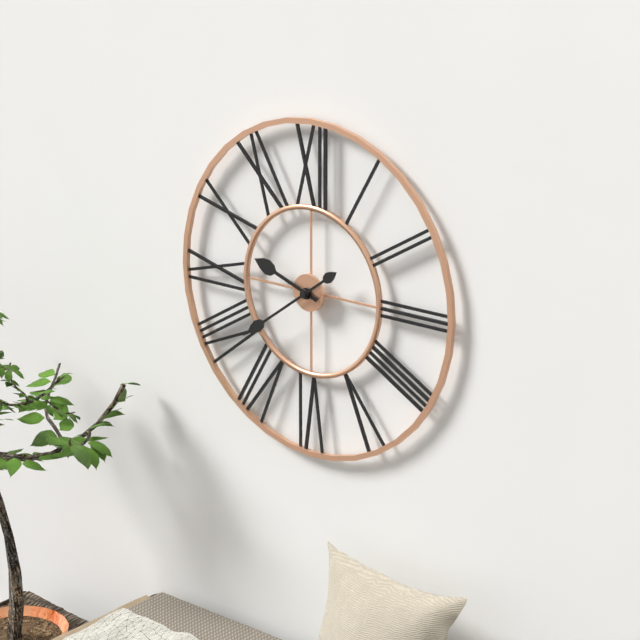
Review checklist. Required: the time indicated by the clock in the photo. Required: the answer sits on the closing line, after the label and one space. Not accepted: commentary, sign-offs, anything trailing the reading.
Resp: 9:39
